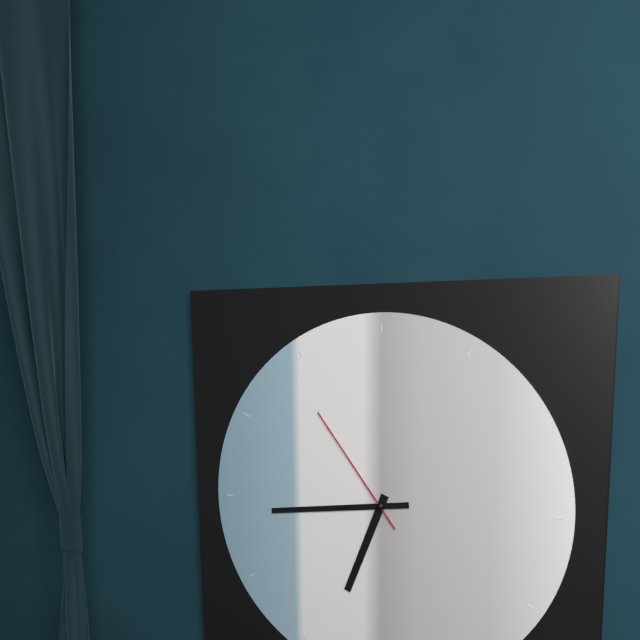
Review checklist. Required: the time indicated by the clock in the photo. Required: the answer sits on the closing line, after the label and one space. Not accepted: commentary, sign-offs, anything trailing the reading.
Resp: 6:44:54
